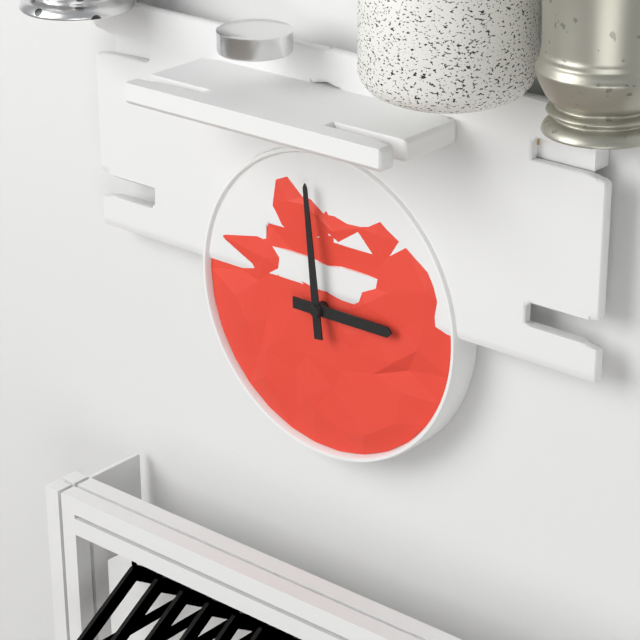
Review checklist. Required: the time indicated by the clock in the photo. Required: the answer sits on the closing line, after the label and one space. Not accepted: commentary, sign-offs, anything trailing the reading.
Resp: 2:59
